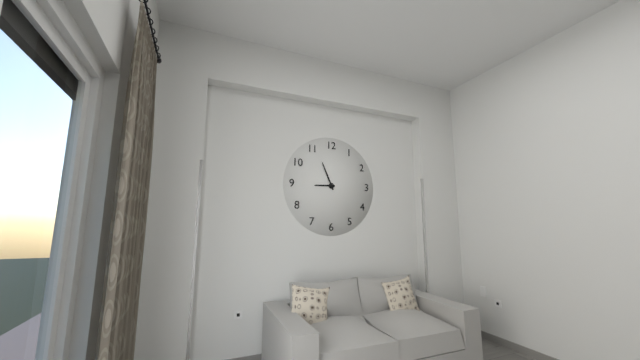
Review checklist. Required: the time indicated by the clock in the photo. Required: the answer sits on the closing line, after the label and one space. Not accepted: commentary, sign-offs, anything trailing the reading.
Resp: 8:56
